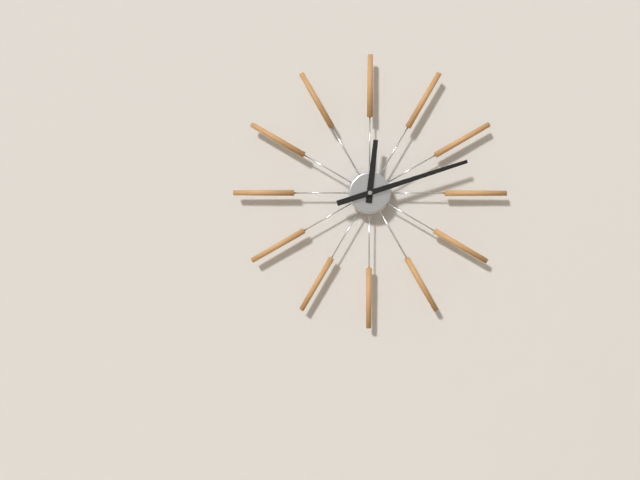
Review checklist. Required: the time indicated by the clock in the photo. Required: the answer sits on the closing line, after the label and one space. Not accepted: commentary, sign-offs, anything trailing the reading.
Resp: 12:12
